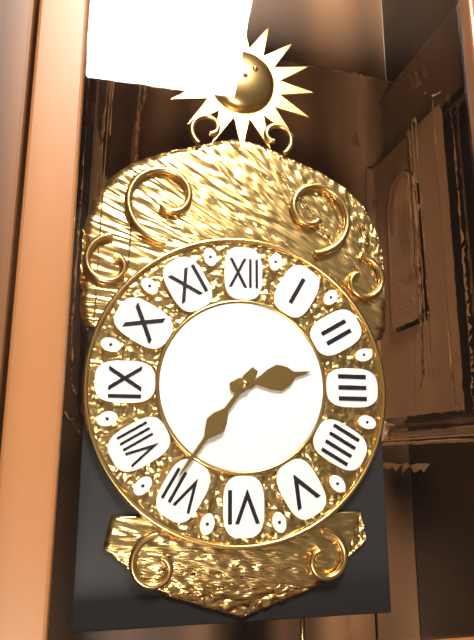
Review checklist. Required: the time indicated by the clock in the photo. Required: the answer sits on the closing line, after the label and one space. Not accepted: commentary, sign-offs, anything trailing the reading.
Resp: 2:36
